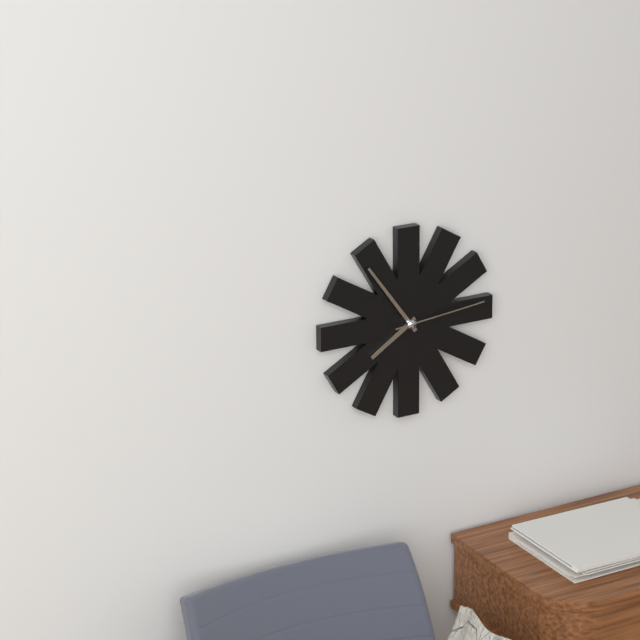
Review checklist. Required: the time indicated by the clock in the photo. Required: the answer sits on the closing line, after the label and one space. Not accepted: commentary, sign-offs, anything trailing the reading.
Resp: 7:54:14
